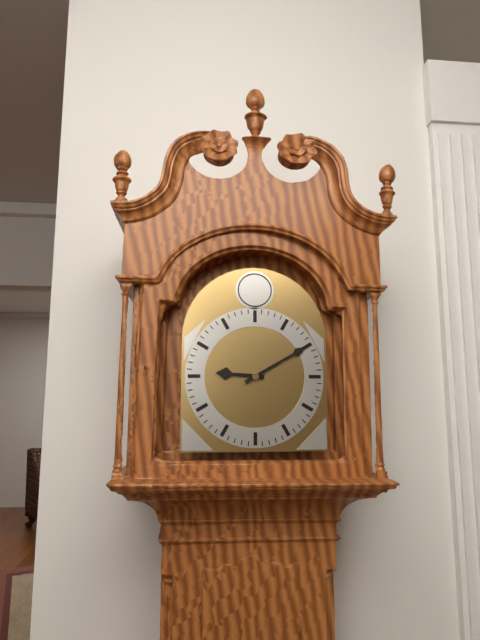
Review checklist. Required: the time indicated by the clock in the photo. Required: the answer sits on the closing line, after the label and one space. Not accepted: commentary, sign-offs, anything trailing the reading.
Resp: 9:10
